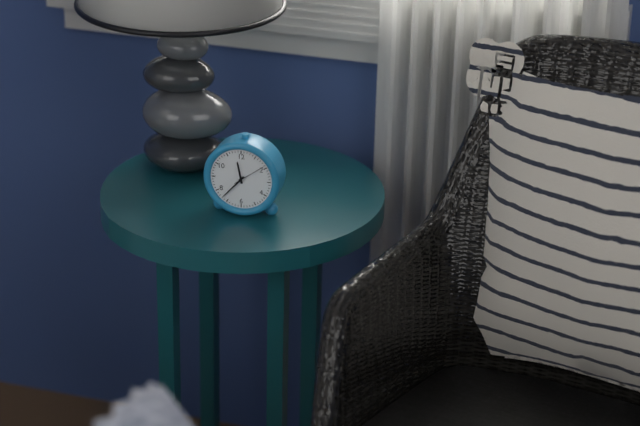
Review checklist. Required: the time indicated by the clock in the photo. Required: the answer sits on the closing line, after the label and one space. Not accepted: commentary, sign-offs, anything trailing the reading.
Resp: 11:37
